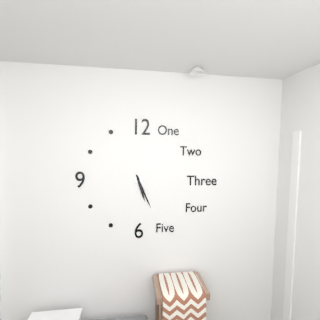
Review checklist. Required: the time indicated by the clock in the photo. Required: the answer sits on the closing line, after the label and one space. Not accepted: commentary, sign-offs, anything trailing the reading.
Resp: 5:26
